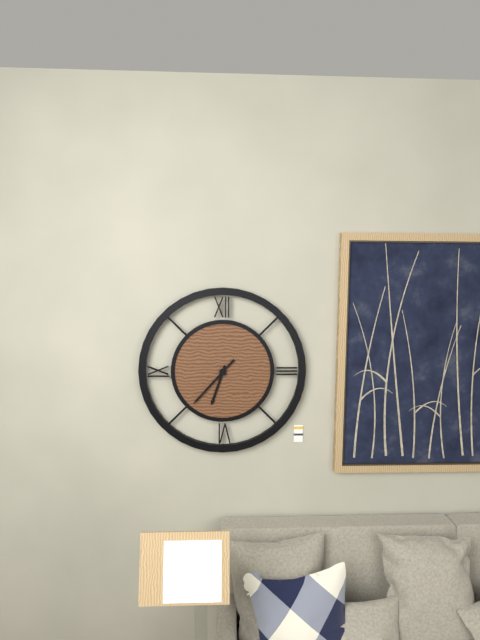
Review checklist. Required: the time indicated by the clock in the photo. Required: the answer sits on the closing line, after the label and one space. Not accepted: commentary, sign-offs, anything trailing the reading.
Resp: 6:37
